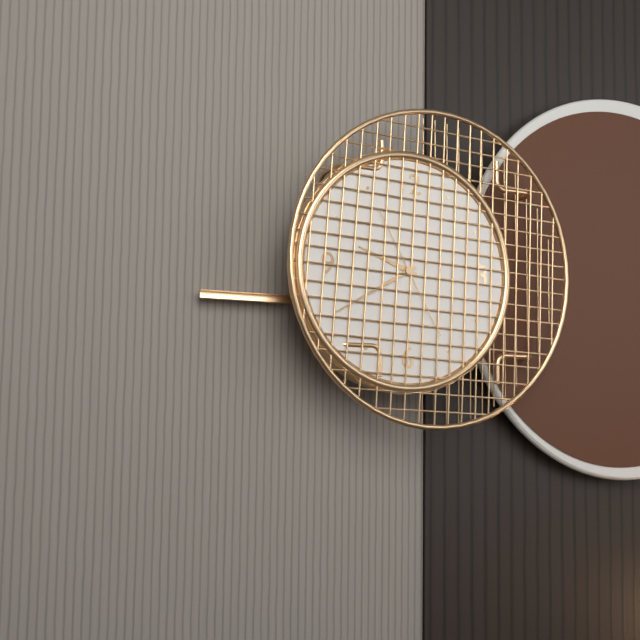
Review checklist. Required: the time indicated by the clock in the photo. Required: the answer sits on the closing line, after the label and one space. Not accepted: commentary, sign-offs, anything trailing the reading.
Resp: 9:40:25
